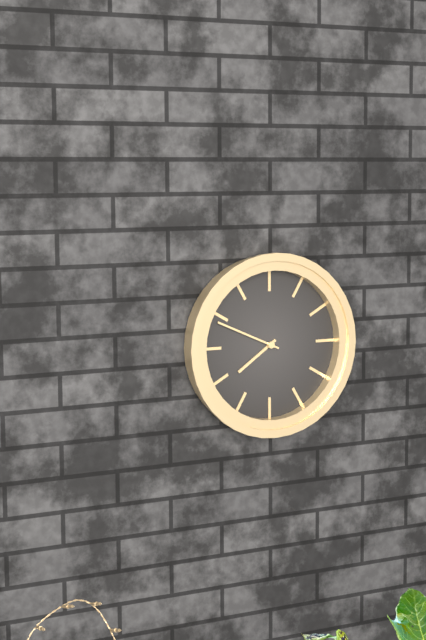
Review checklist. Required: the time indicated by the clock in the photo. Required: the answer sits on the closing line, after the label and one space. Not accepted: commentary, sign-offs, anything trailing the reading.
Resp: 7:49
